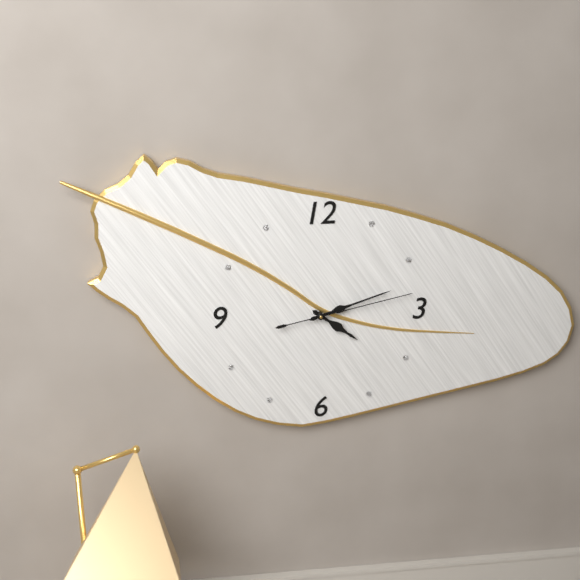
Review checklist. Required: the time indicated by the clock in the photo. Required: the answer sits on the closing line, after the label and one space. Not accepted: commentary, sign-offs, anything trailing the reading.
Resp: 4:12:13
